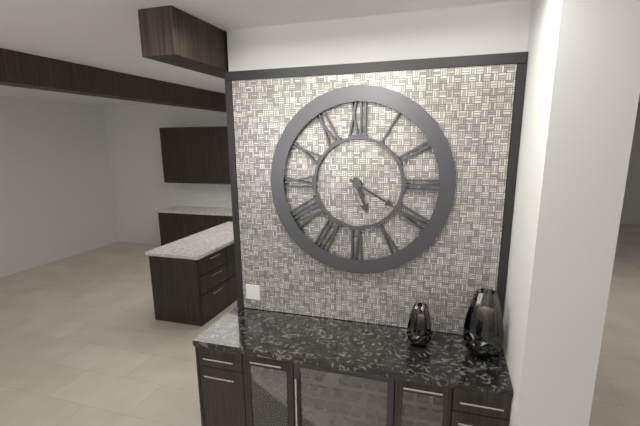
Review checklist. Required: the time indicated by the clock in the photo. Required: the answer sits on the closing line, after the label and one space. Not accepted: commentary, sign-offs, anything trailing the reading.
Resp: 5:20
